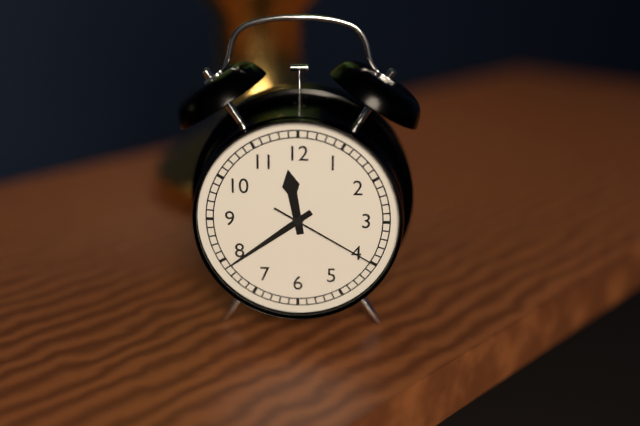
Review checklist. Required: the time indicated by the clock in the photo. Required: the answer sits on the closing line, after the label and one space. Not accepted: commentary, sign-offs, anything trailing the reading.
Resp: 11:39:20
